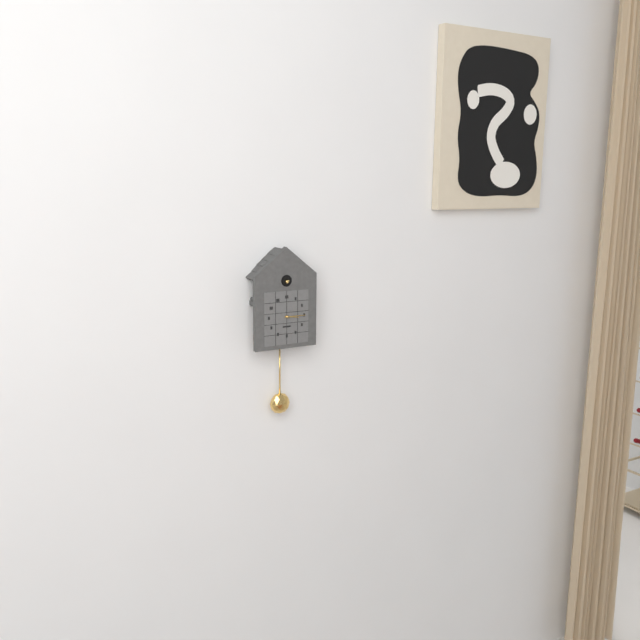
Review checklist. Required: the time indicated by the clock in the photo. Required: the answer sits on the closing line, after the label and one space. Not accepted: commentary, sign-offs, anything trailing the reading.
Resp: 3:15
